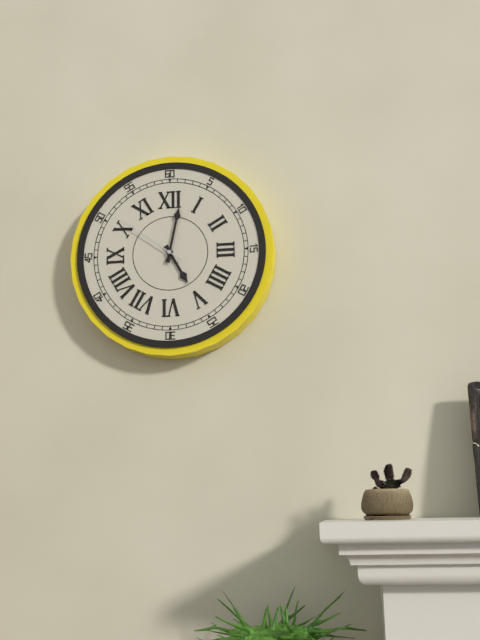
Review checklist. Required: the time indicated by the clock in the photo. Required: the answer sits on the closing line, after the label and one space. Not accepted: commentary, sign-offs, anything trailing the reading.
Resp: 5:02:51
